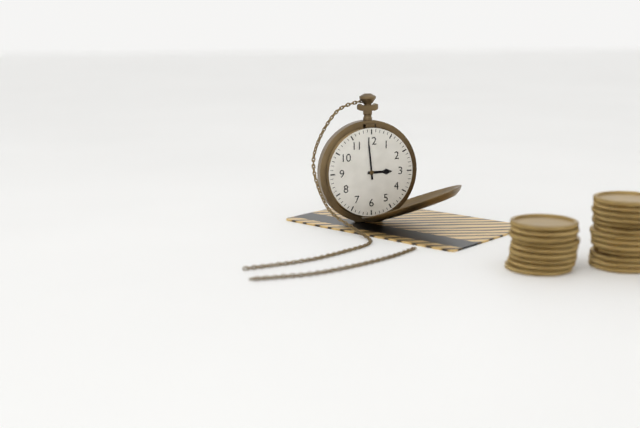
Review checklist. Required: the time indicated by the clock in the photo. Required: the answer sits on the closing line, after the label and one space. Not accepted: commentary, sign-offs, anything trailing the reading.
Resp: 2:59
